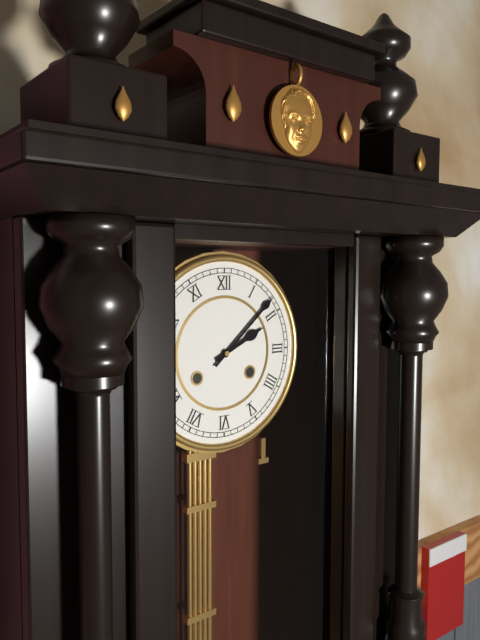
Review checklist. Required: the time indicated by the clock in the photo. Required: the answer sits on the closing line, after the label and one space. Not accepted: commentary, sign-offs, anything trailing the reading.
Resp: 2:08
